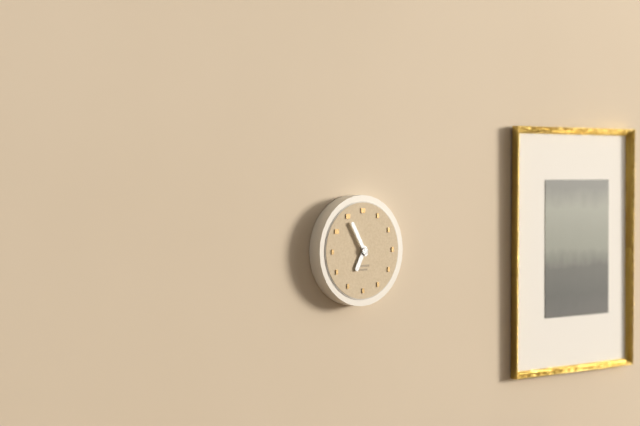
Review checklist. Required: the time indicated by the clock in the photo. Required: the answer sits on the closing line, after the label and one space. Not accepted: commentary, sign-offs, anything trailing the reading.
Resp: 6:55
